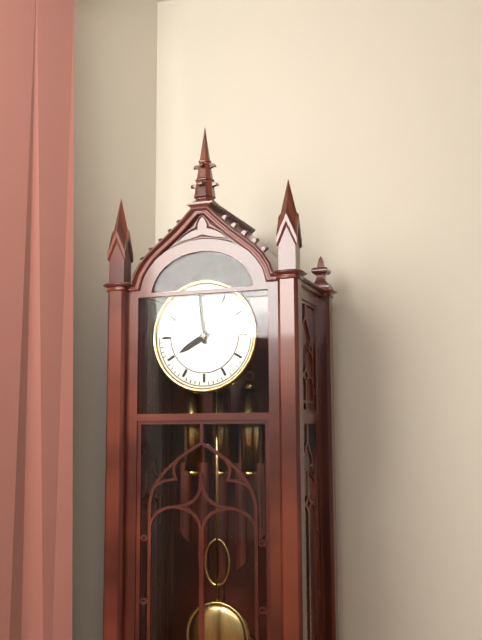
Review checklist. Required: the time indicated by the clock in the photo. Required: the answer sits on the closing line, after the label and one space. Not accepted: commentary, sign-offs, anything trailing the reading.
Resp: 7:59
